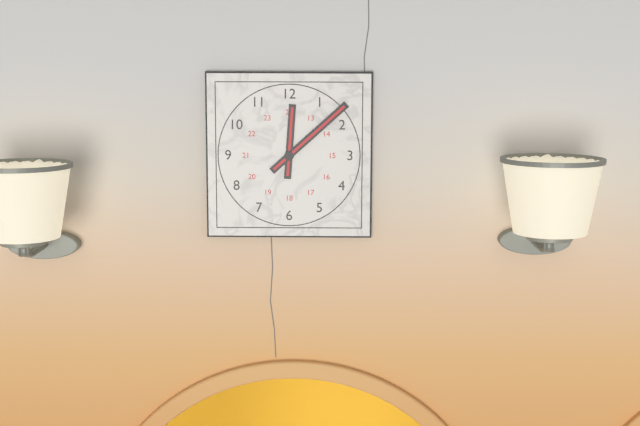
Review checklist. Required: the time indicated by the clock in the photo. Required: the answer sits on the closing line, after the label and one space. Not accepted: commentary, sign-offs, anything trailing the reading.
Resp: 12:08
